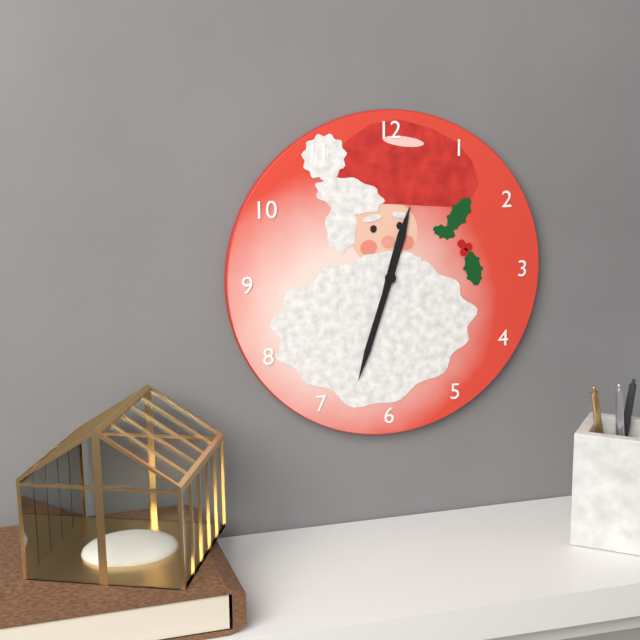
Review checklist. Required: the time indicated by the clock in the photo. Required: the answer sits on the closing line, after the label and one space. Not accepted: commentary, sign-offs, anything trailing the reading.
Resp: 12:33
